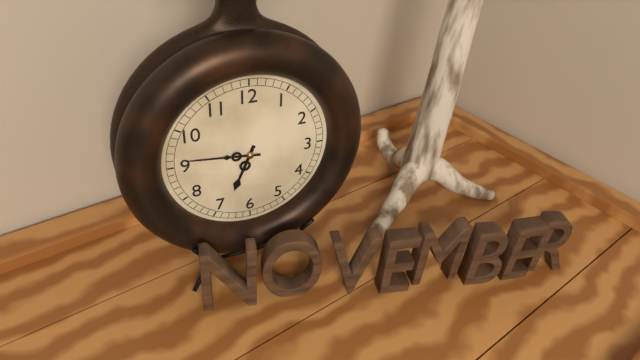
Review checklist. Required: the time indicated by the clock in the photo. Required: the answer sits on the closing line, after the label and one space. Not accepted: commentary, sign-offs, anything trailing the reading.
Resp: 6:46
